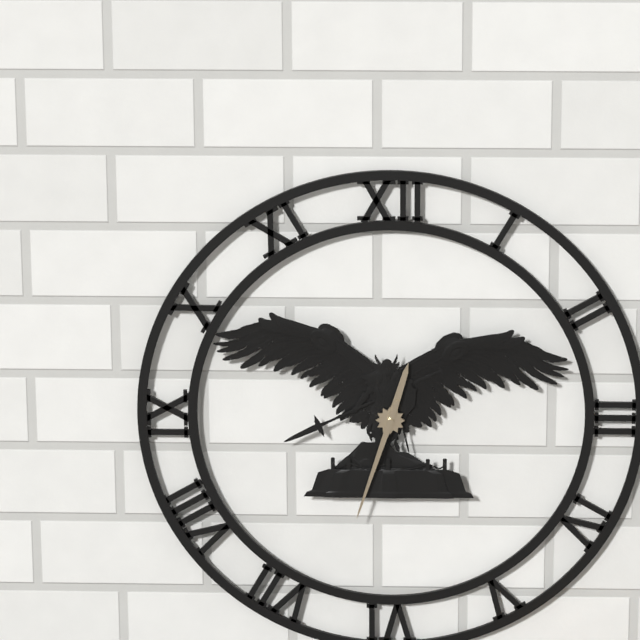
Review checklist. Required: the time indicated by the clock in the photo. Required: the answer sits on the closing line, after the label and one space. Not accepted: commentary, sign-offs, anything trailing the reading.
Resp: 12:33
